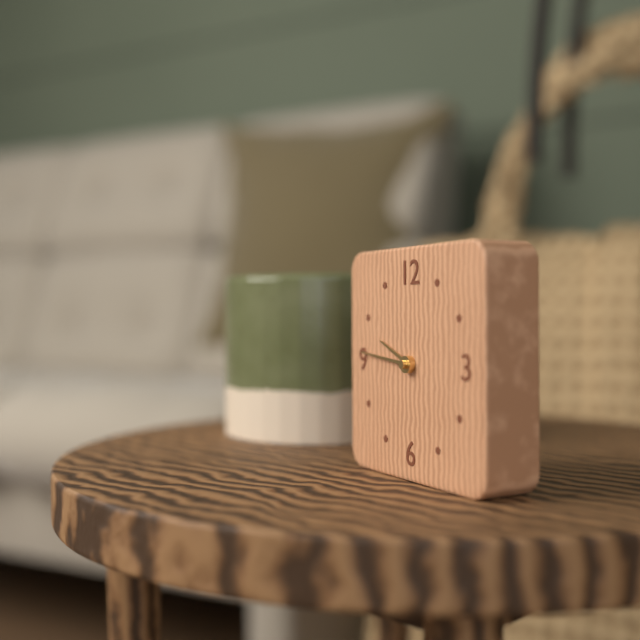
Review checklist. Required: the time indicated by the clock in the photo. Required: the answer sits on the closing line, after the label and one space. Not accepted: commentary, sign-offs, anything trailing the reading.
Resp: 9:46
